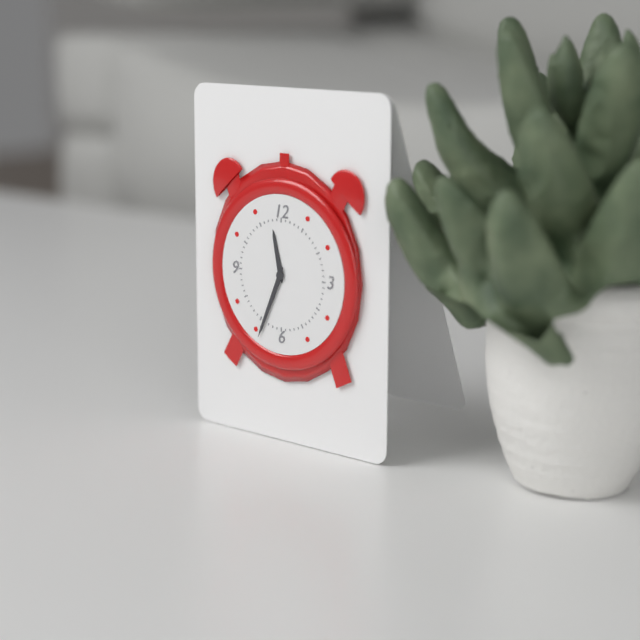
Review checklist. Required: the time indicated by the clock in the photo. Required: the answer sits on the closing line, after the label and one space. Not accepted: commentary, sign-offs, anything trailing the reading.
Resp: 11:34
